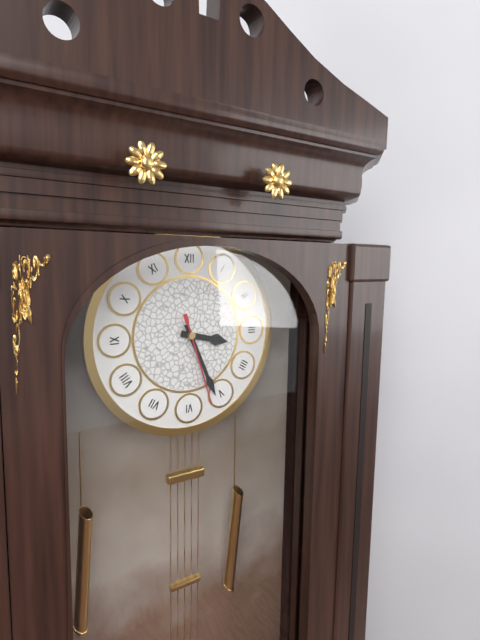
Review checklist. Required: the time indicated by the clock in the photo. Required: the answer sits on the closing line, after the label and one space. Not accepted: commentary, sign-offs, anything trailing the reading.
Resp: 3:26:27
